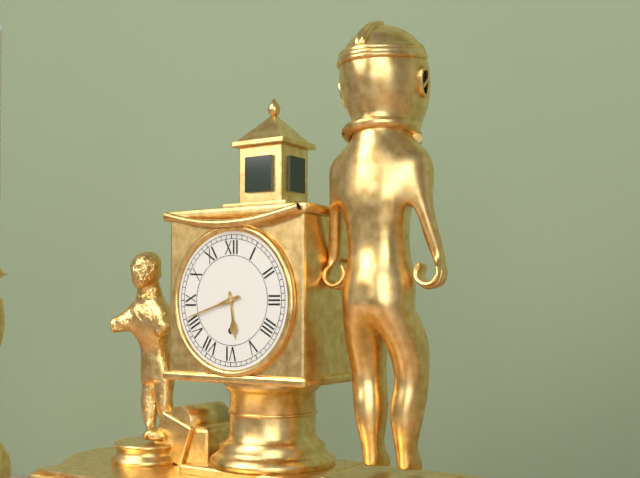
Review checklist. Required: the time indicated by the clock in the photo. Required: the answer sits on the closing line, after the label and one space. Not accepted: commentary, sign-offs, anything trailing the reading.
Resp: 5:42
